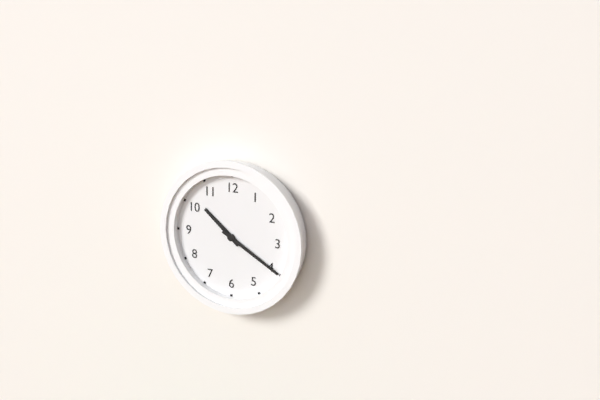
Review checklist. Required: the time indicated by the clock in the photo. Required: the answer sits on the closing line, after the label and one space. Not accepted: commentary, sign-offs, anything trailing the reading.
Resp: 10:20
